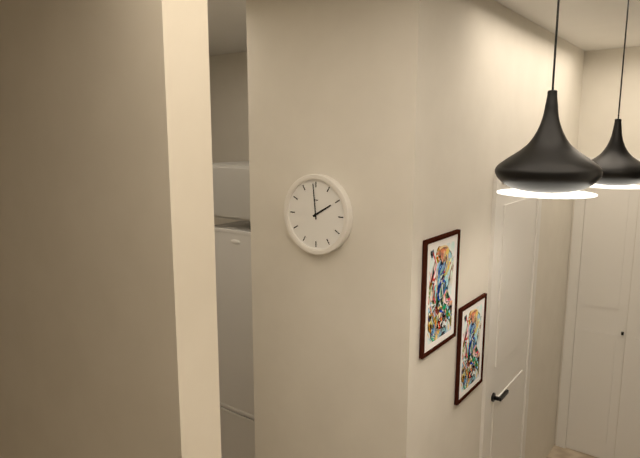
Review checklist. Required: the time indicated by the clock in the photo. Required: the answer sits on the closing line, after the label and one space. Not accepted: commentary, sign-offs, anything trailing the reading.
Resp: 1:59
